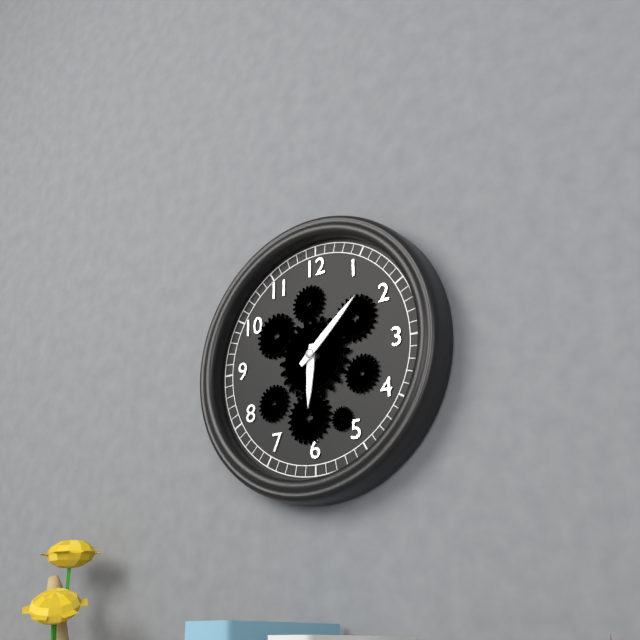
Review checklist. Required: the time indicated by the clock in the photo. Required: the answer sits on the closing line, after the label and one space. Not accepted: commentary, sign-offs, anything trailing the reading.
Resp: 6:08
